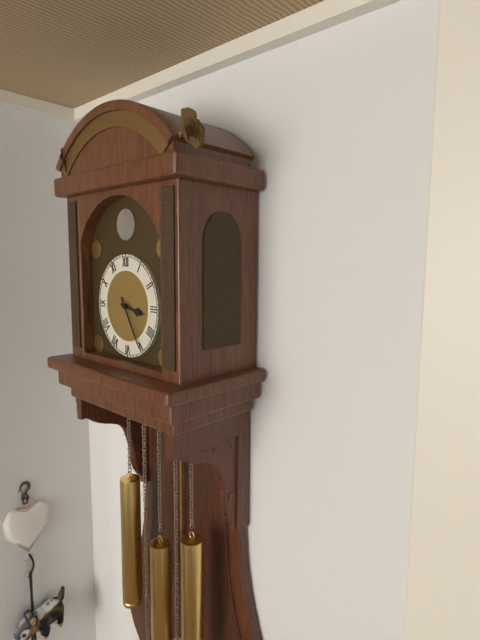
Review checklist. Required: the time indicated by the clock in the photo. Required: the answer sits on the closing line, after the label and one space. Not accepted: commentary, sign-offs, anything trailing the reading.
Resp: 3:25
